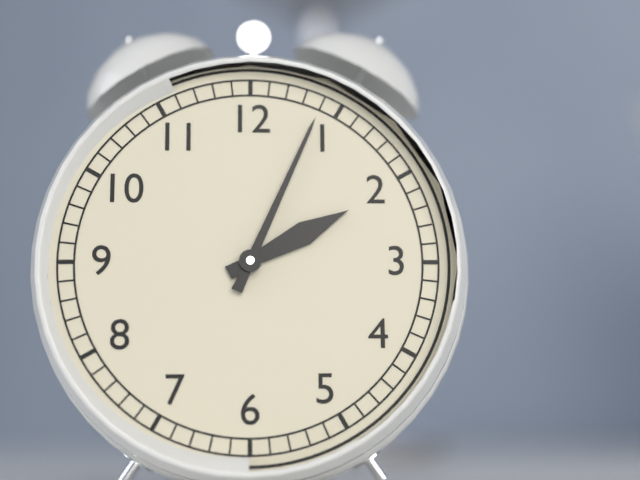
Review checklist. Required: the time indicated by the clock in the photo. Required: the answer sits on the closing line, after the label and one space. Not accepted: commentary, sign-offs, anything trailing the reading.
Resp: 2:04
